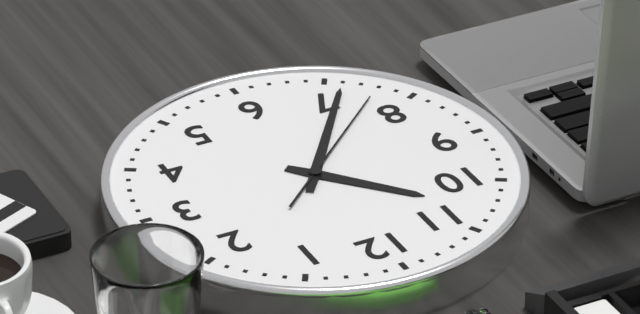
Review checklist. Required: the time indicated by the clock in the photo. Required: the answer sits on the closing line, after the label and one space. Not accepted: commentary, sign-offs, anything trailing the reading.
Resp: 10:36:38
